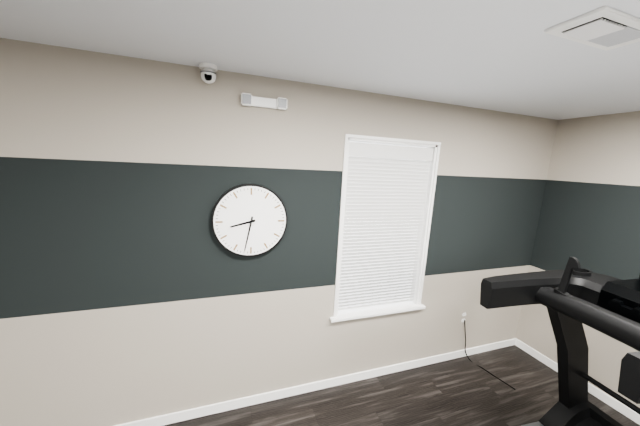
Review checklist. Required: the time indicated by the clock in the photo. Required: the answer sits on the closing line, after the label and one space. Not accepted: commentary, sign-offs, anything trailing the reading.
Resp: 8:32
